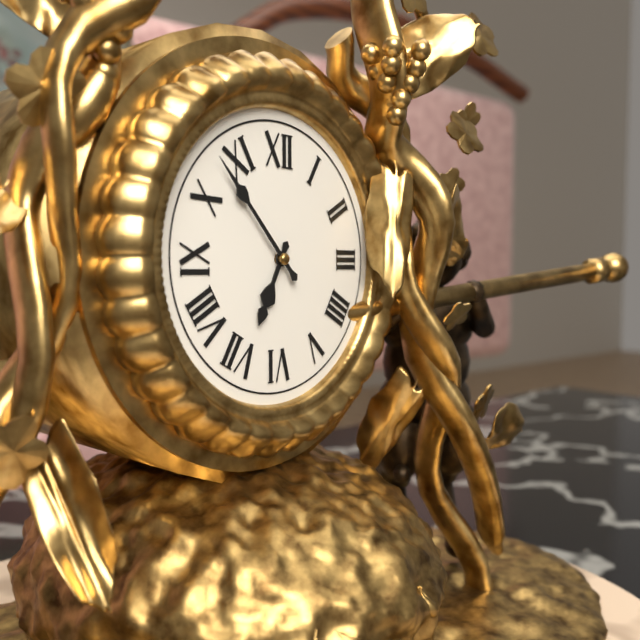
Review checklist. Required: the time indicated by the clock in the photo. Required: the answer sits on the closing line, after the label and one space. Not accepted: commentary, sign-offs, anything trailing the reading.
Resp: 6:53
